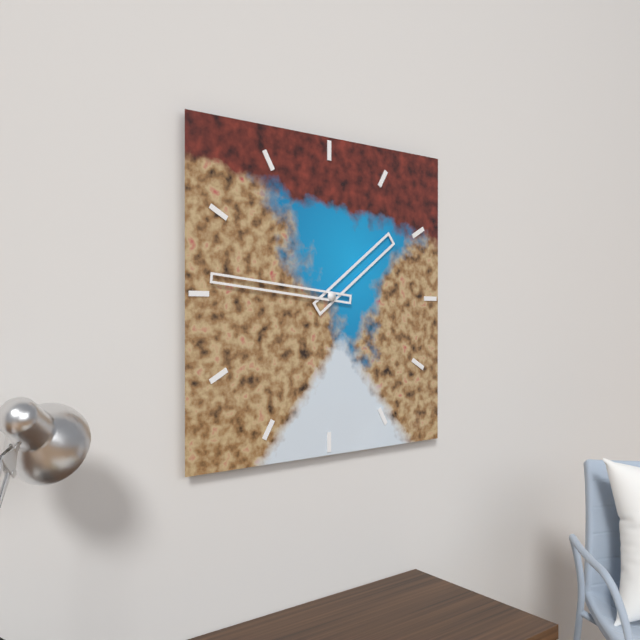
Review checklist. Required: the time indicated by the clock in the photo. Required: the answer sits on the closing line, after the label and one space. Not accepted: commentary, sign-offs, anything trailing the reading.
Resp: 1:46
